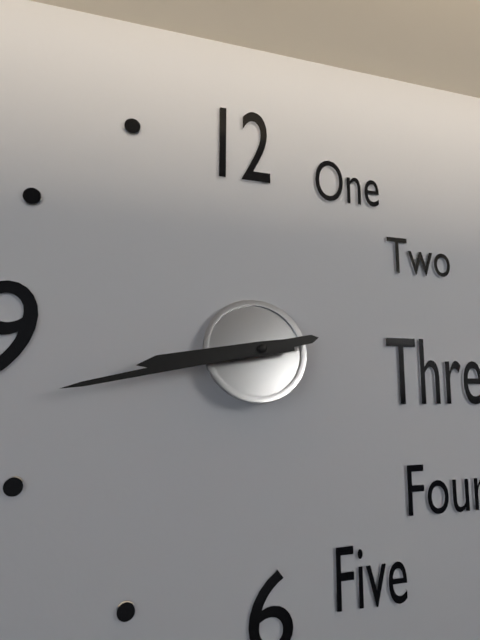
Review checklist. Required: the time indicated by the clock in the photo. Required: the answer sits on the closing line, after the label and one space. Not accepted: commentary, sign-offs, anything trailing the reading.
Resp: 8:43
